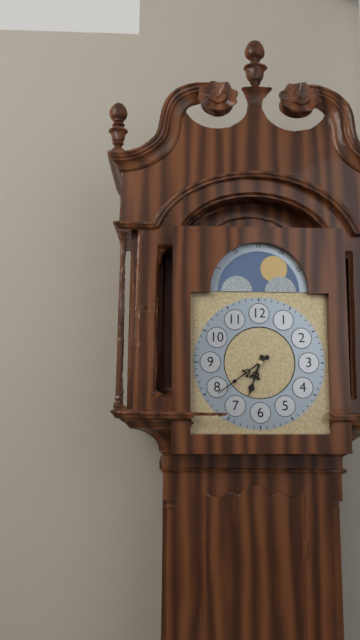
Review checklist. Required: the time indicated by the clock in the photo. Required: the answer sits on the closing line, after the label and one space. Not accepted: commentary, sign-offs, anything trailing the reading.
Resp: 6:39
